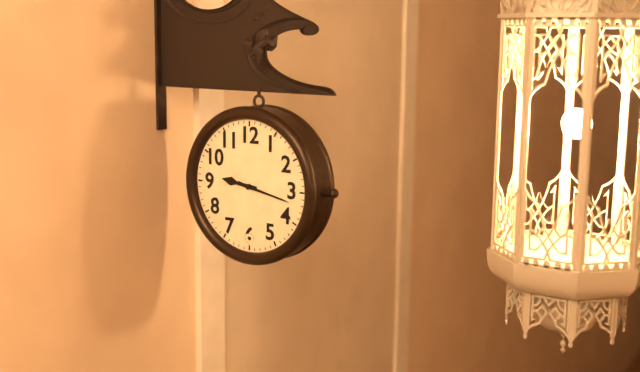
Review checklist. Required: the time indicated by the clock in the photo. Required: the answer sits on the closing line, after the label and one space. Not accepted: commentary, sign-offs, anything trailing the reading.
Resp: 9:17
